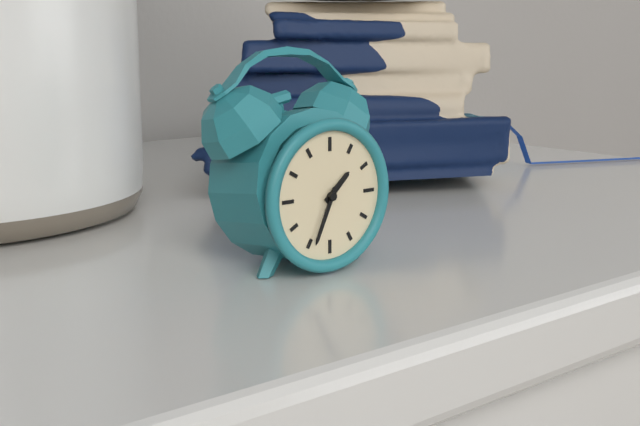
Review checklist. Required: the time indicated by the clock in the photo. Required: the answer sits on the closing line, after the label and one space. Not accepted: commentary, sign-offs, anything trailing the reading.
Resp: 1:34
